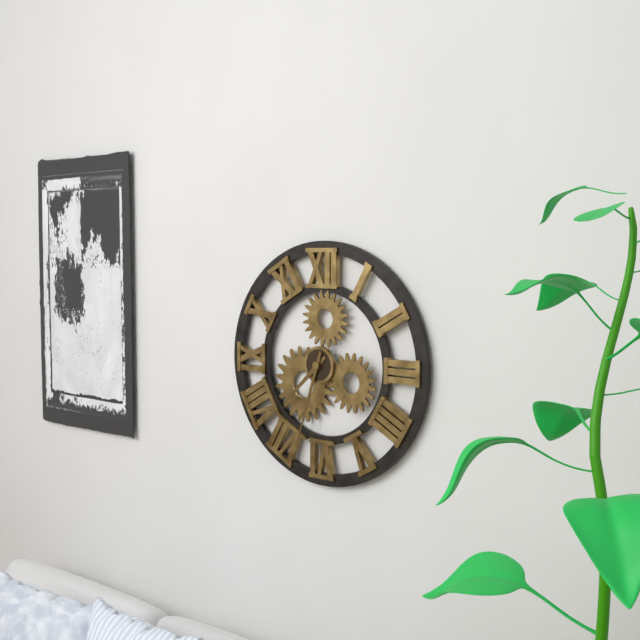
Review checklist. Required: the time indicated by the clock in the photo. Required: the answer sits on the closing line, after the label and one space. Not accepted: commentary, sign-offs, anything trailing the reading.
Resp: 7:33
